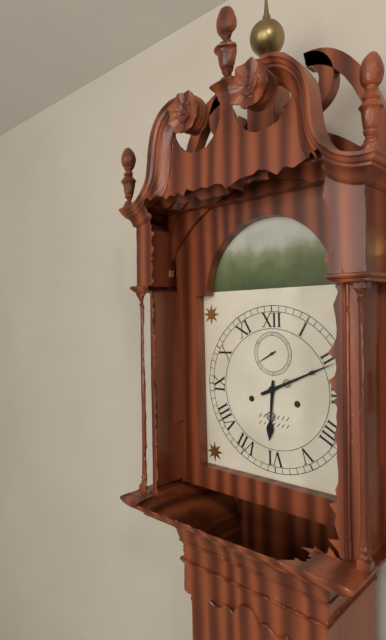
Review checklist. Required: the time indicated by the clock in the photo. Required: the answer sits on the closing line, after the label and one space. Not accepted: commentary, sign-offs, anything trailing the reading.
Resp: 6:11
